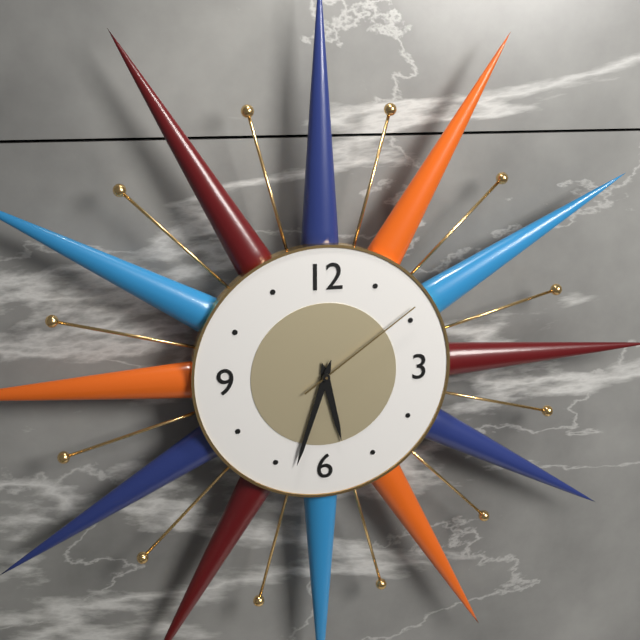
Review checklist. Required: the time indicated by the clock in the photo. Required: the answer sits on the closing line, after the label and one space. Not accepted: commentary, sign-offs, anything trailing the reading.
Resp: 5:33:09
